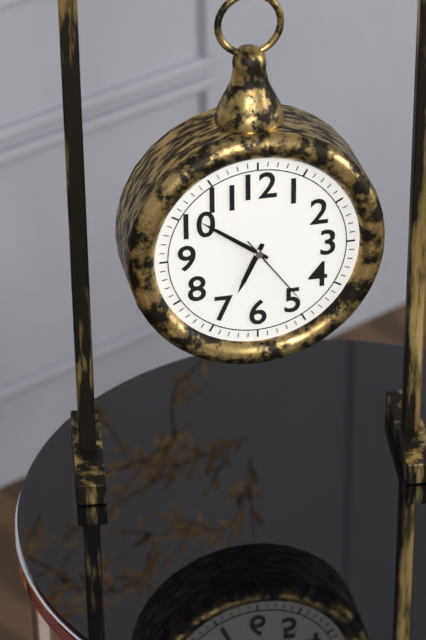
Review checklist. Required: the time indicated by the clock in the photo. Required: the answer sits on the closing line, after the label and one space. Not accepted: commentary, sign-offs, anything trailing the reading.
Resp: 6:51:24
